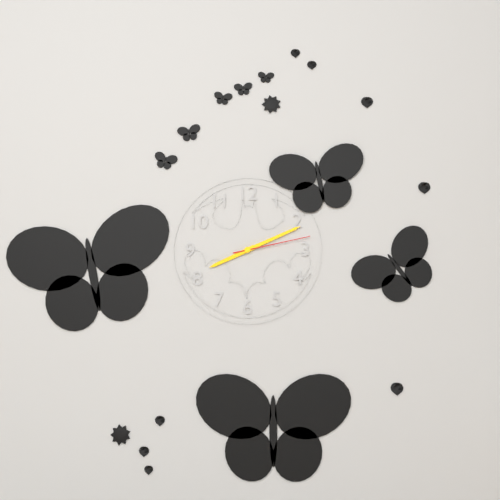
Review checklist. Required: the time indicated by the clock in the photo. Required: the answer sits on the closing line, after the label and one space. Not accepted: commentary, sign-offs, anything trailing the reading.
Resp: 8:11:13
